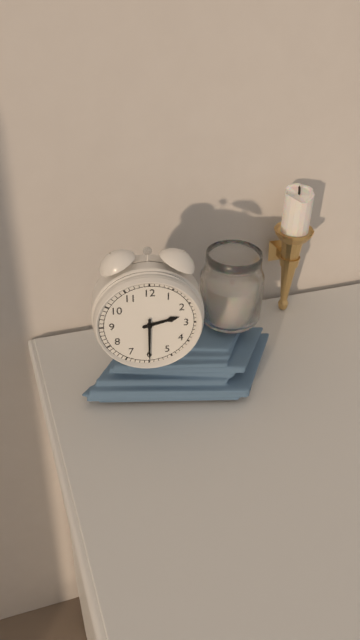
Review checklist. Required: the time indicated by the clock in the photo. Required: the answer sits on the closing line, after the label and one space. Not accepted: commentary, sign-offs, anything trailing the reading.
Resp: 2:30
